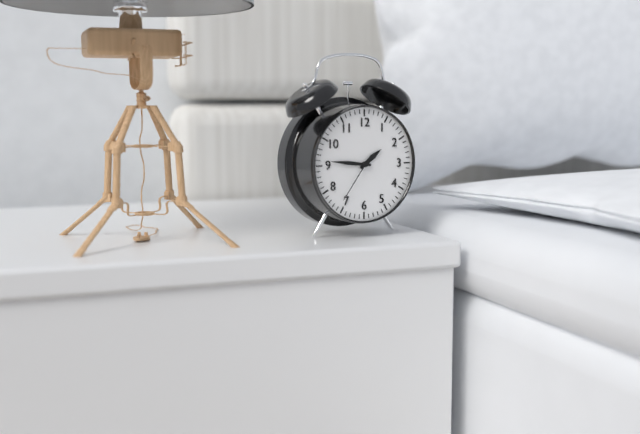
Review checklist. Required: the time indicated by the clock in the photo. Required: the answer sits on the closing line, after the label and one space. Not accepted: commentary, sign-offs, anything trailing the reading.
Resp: 1:46
